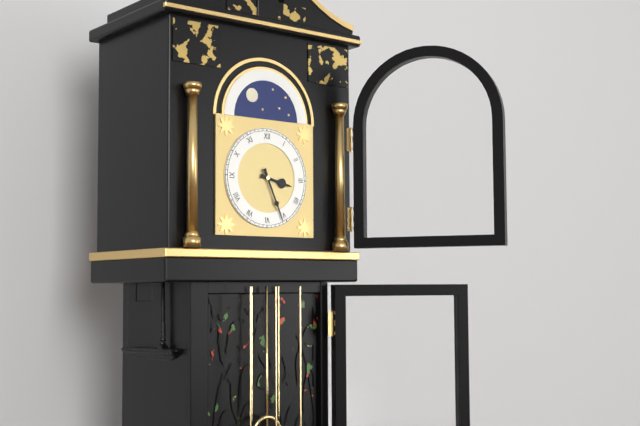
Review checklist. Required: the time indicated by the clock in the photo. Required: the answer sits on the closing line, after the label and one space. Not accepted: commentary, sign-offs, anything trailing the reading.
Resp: 3:26
